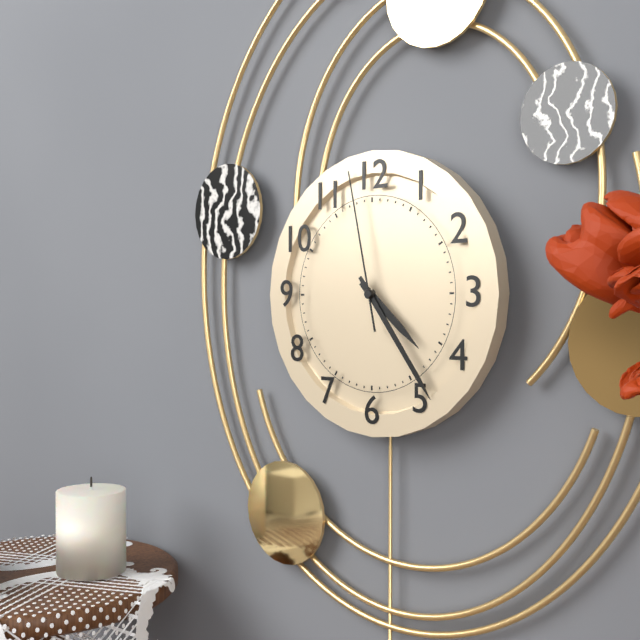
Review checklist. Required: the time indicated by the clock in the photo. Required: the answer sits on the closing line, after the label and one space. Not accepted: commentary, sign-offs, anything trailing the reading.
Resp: 4:24:58
